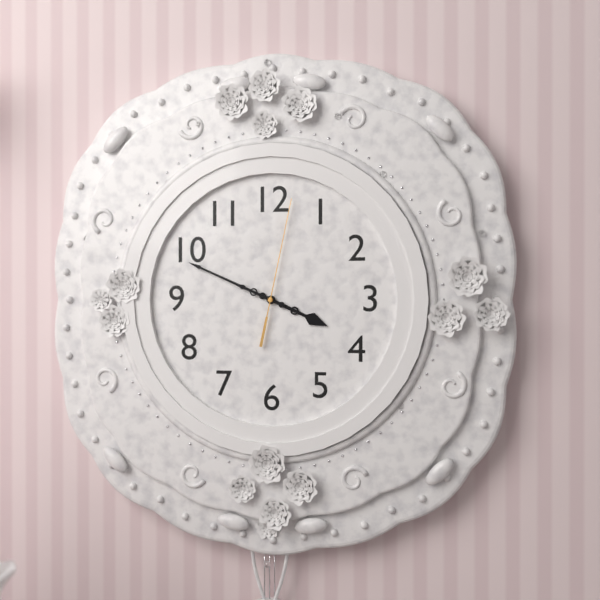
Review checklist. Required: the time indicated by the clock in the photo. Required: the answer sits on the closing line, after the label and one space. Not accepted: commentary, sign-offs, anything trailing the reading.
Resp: 3:49:02
